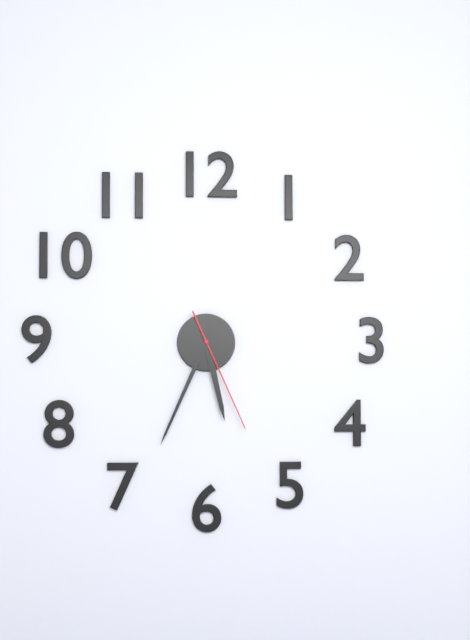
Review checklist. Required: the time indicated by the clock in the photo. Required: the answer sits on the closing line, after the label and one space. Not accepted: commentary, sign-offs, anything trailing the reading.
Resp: 5:34:26
